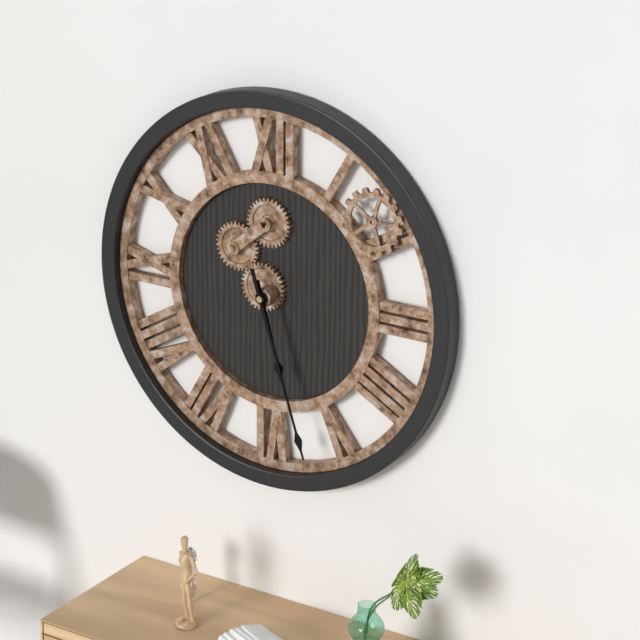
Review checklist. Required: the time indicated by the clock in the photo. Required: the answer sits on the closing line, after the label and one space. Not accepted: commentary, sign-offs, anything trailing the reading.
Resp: 5:27
